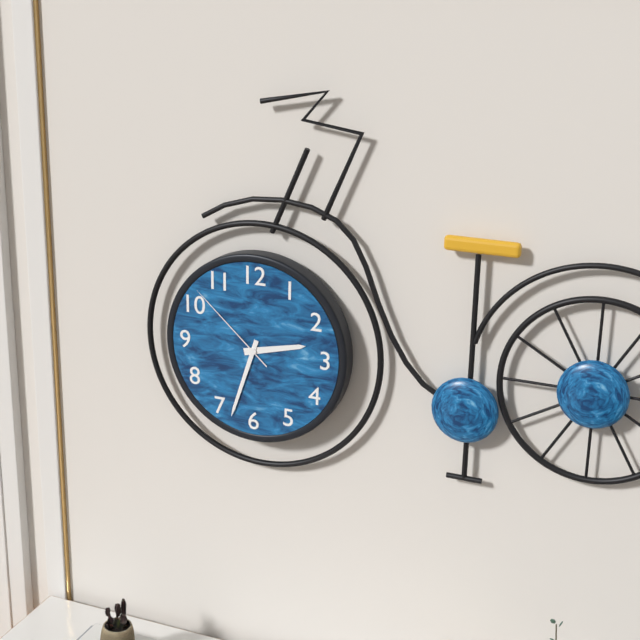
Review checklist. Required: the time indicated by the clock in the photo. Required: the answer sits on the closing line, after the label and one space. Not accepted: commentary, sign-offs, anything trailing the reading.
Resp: 2:33:52
